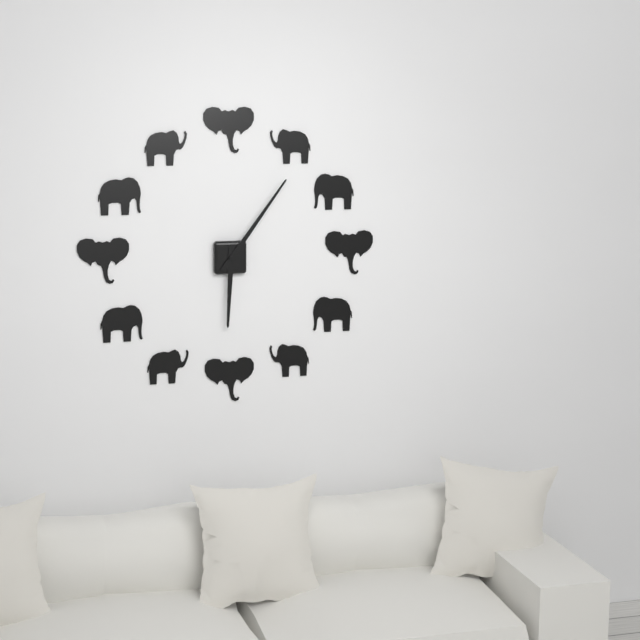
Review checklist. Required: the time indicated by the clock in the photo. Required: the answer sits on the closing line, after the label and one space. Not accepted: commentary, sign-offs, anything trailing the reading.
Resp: 6:06
